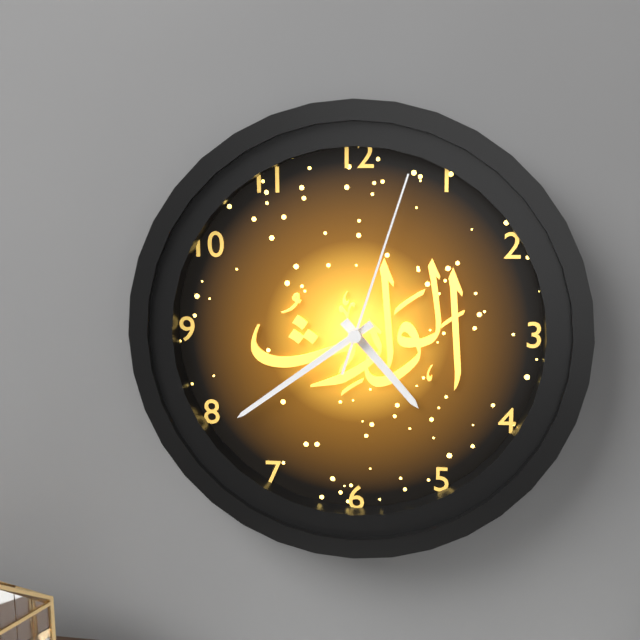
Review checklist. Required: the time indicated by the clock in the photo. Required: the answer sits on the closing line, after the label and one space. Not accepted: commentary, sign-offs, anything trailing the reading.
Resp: 4:39:03
